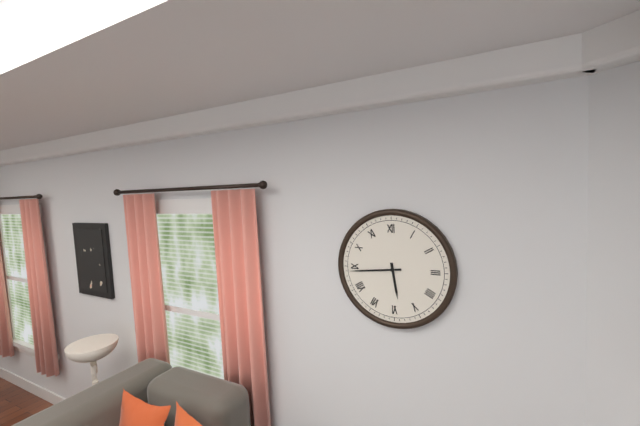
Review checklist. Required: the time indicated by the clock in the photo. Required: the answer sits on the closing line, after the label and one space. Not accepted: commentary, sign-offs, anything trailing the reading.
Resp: 5:44
